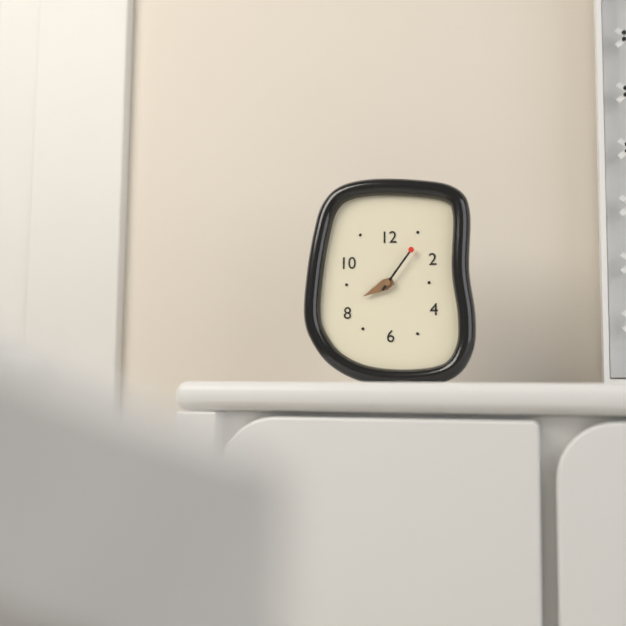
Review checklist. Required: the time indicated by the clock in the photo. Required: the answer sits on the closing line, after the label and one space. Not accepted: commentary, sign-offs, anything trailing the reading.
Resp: 8:06
